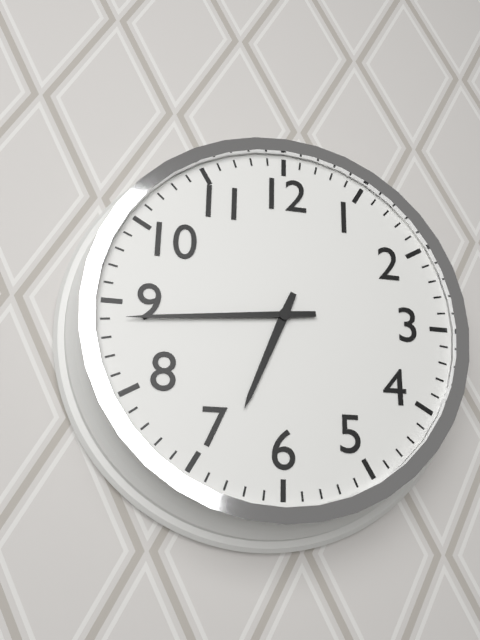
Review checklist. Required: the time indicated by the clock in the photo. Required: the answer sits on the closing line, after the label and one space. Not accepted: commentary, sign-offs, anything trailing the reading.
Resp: 6:44
